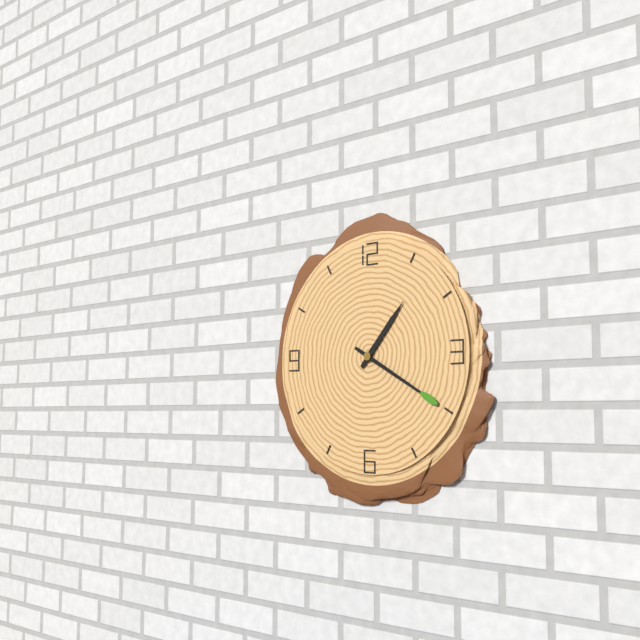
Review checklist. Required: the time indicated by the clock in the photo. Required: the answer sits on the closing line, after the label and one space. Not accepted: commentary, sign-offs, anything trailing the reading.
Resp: 1:20
